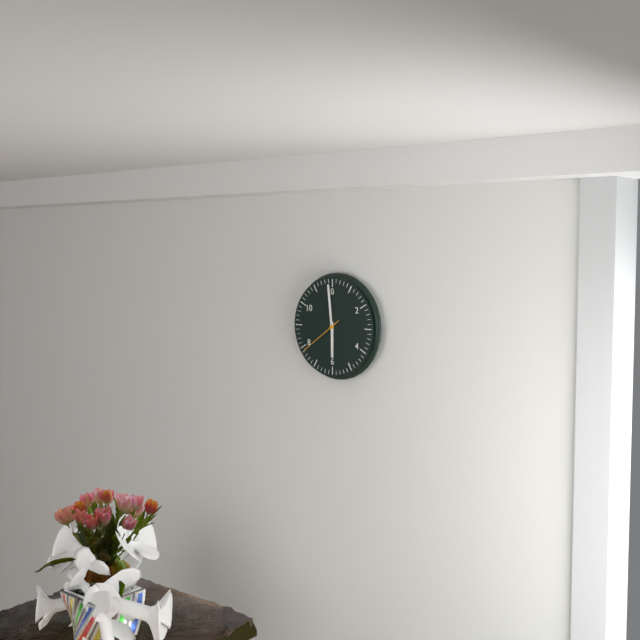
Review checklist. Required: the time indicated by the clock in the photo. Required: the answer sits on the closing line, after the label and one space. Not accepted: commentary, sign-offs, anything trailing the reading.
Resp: 5:59:39
